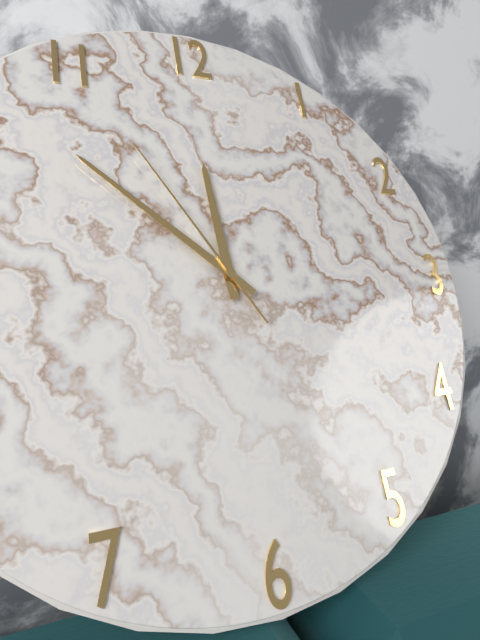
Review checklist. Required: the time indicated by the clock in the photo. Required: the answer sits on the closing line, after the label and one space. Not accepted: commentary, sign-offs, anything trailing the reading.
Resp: 11:52:55
